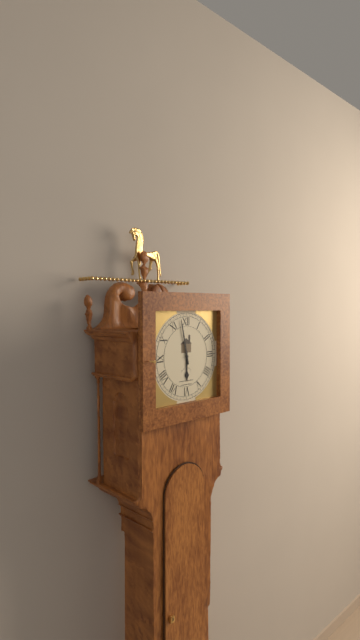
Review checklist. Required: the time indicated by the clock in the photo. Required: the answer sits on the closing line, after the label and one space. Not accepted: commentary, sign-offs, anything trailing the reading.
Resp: 5:58
